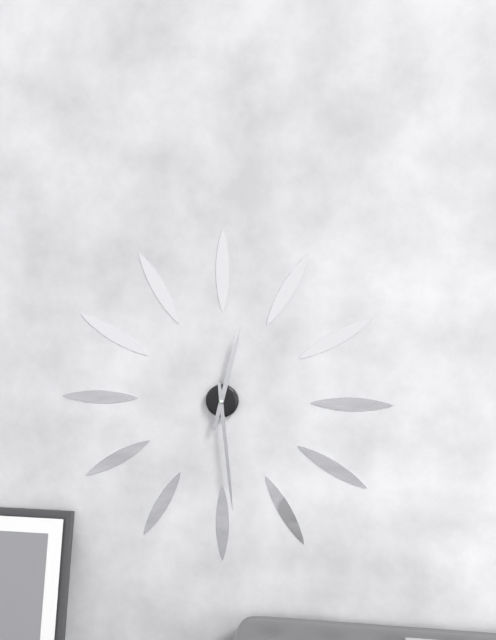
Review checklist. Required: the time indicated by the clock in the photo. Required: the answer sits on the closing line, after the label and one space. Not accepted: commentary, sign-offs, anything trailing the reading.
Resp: 12:29
